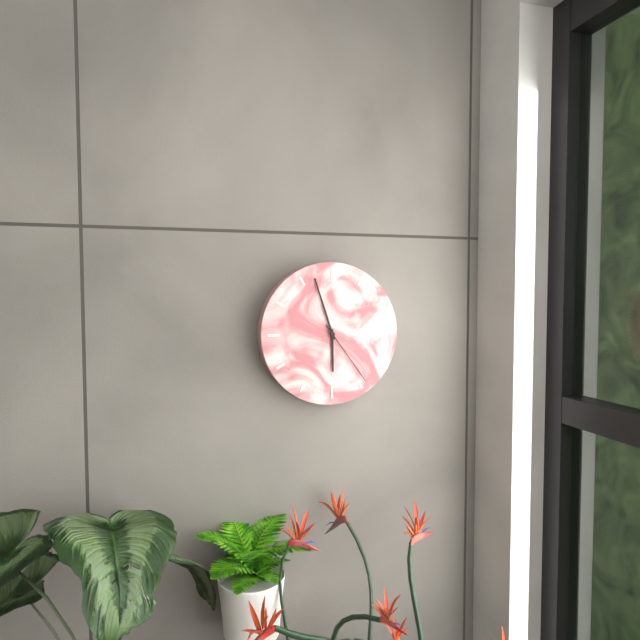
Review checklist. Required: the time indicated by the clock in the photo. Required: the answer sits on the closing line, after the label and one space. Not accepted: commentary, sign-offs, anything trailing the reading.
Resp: 5:57:24
